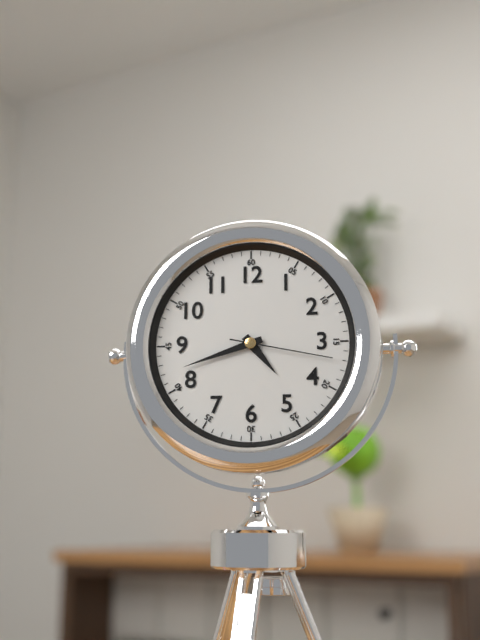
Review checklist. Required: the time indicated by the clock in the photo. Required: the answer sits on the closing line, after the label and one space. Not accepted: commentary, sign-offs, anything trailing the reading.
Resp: 4:42:17
